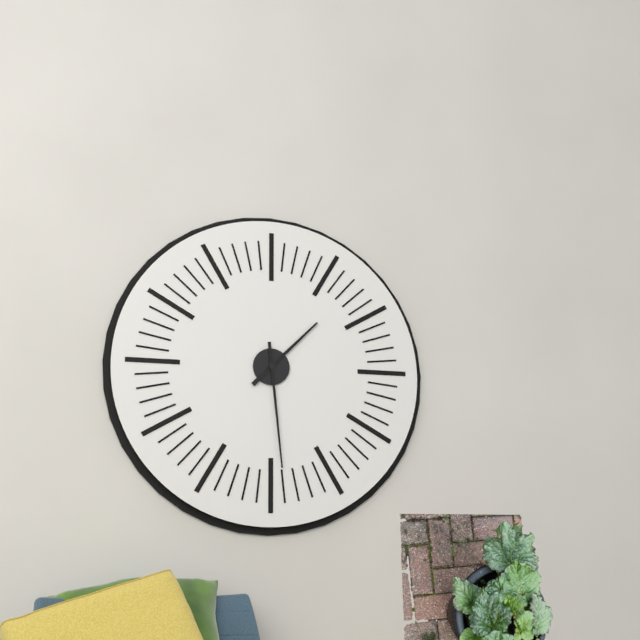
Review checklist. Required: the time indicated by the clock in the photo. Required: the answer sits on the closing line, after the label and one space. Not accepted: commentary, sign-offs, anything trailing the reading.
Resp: 1:29
